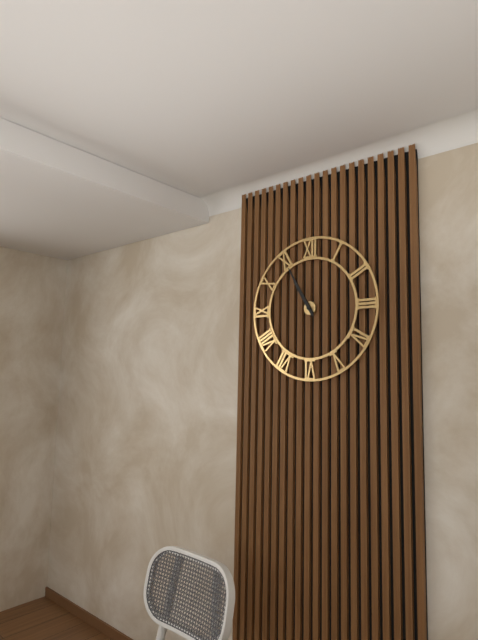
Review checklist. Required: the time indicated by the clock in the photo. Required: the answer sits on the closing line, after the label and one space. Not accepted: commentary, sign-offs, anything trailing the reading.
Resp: 10:55
